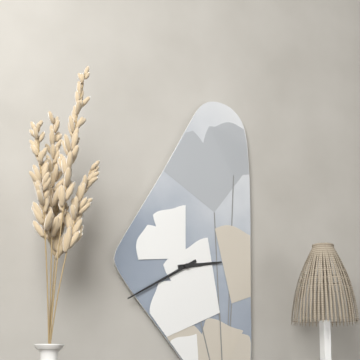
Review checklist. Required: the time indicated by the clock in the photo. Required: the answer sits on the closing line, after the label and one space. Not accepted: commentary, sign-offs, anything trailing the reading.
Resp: 2:40
